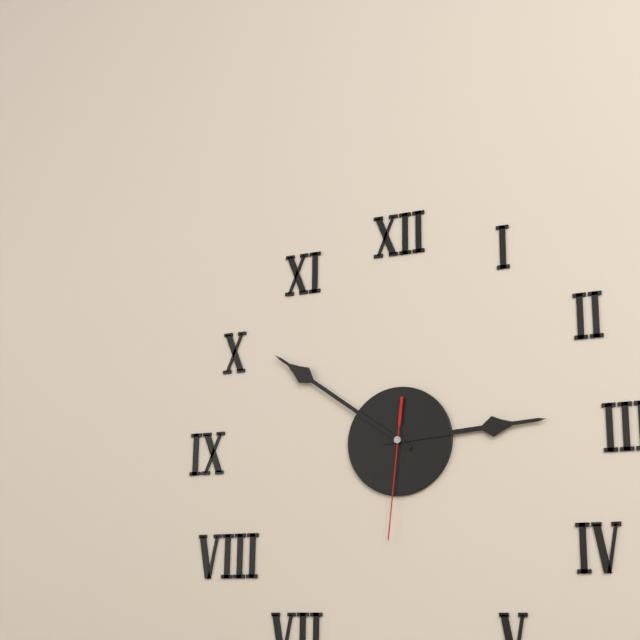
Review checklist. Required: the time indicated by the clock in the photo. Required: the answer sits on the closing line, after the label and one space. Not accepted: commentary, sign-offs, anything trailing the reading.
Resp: 2:51:31
